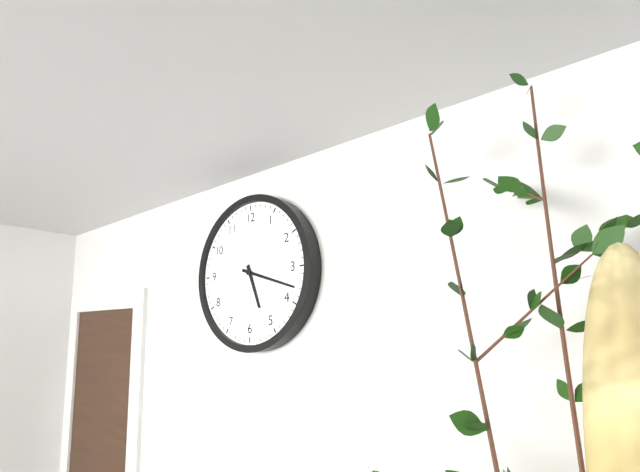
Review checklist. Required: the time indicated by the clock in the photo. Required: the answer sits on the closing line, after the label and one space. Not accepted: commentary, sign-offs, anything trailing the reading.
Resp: 5:18
